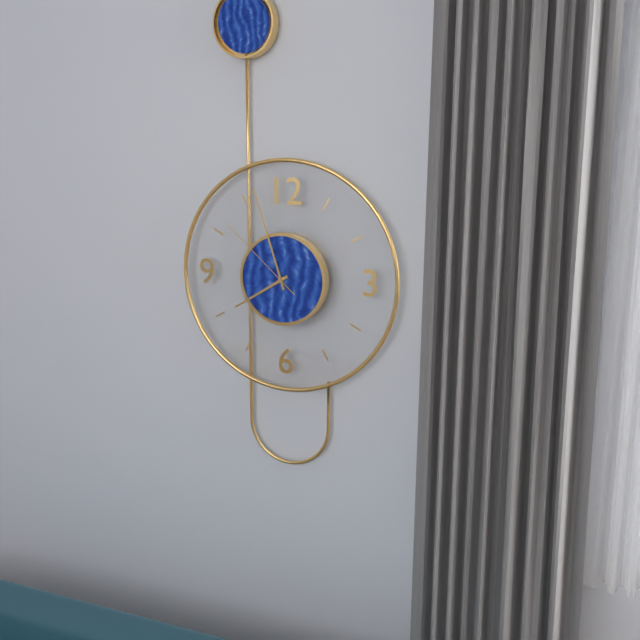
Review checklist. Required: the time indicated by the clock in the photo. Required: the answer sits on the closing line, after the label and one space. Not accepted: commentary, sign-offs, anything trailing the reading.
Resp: 7:57:52
